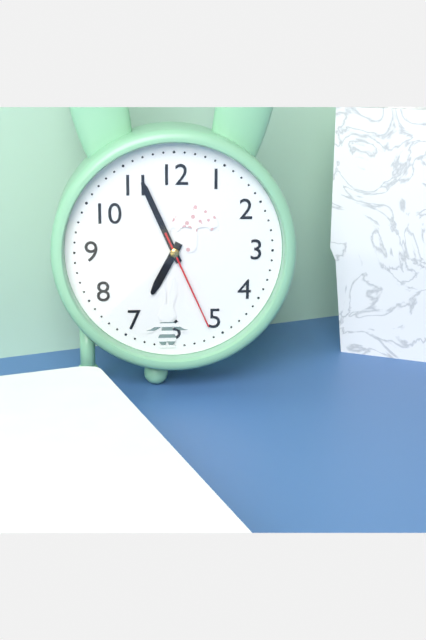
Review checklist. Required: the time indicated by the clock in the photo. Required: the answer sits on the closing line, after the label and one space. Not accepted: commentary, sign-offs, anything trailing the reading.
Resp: 6:56:26
